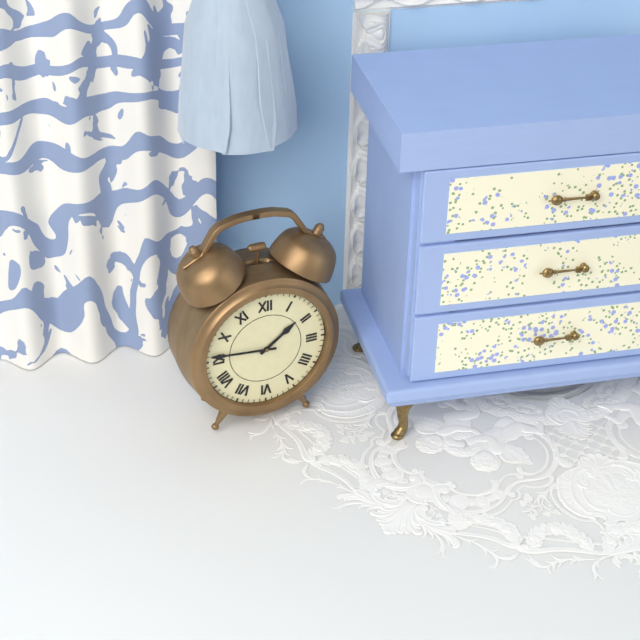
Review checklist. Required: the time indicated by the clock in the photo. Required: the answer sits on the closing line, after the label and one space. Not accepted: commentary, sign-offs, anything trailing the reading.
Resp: 1:46
